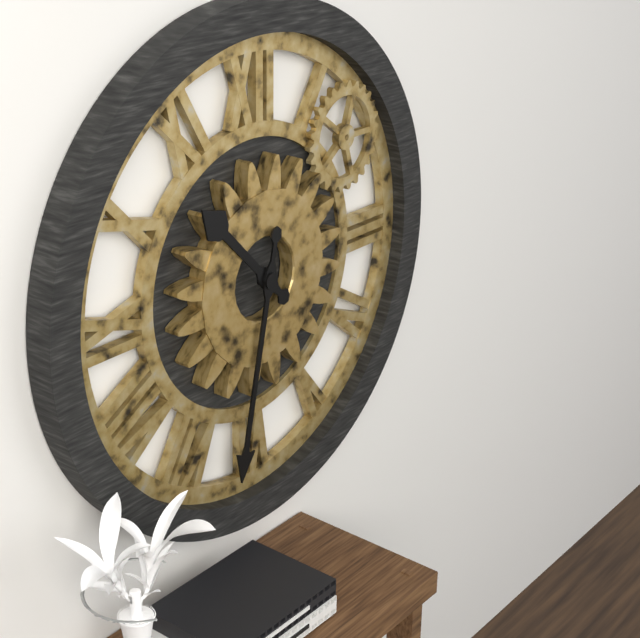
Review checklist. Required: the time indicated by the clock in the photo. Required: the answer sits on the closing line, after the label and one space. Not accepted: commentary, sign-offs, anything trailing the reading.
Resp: 10:32
